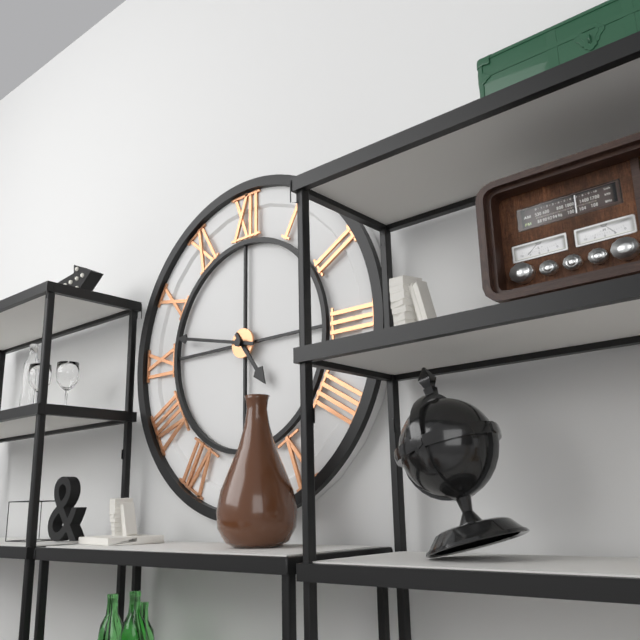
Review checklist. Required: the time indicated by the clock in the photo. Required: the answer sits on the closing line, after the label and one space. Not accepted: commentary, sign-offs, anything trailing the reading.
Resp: 4:47
